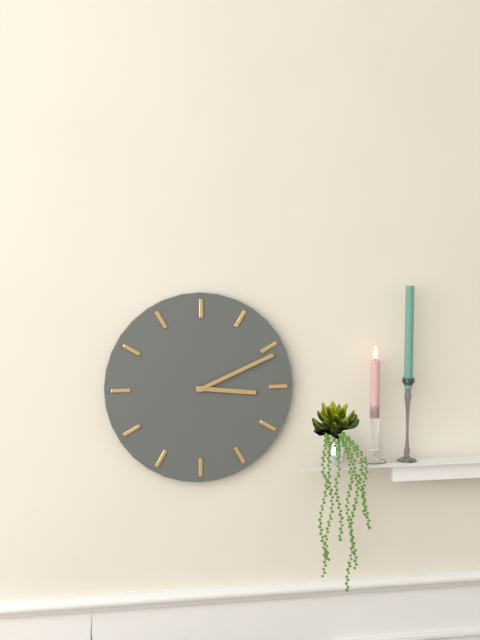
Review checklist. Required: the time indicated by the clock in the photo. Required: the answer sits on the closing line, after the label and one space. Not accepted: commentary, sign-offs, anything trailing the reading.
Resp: 3:11
